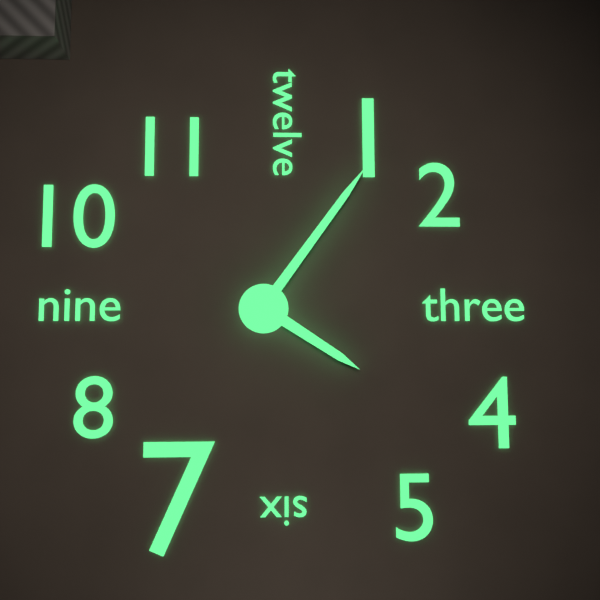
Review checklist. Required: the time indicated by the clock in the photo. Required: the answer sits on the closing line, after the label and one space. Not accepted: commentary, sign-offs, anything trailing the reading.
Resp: 4:06
